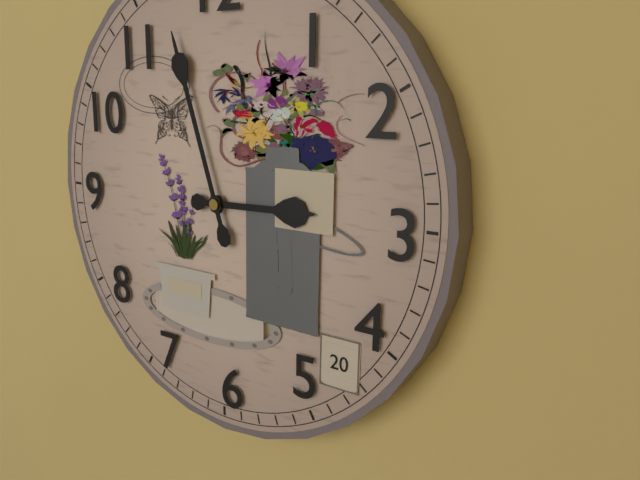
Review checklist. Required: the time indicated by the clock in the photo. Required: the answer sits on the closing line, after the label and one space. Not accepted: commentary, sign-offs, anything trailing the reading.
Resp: 2:57
